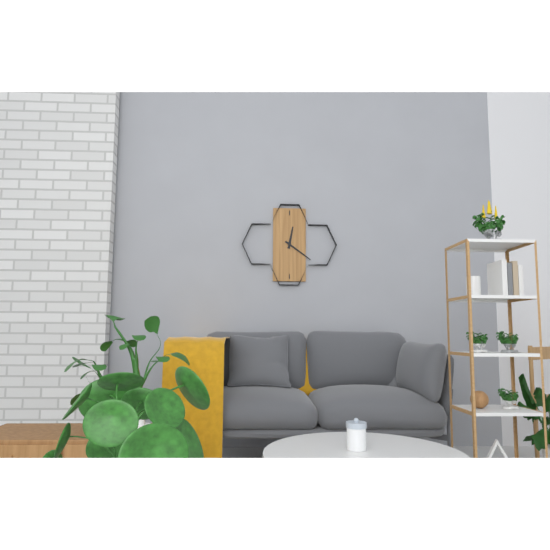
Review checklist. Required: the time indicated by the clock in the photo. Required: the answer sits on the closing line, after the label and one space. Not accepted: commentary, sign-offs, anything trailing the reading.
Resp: 12:21
